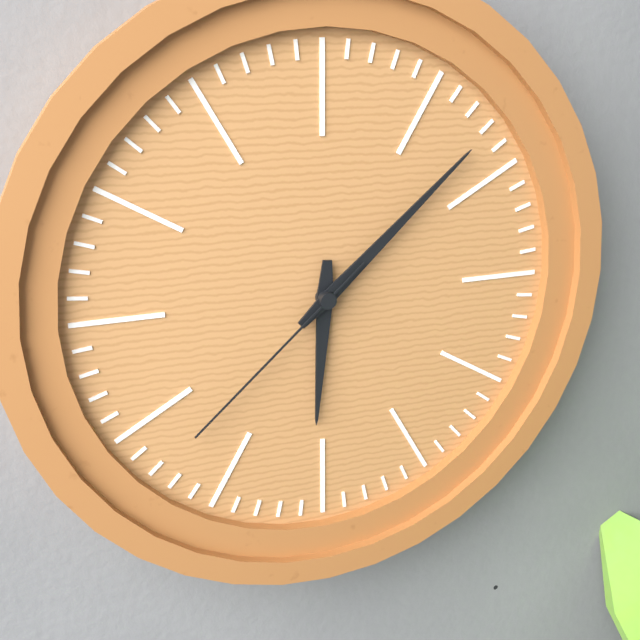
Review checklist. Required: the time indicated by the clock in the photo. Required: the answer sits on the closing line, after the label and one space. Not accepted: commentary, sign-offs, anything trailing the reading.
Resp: 6:08:38
